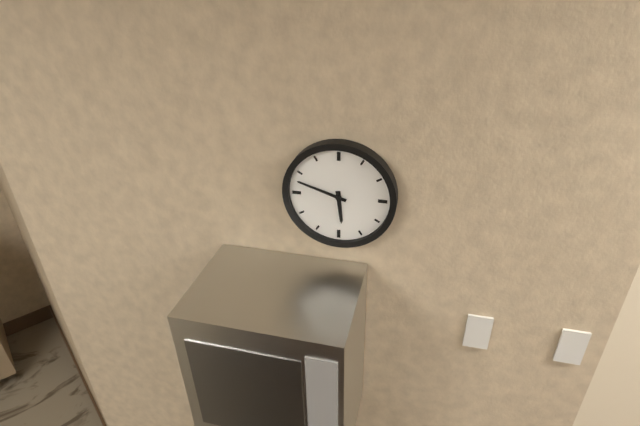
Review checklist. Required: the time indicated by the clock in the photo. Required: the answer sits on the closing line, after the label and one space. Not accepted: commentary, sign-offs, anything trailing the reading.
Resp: 5:48
